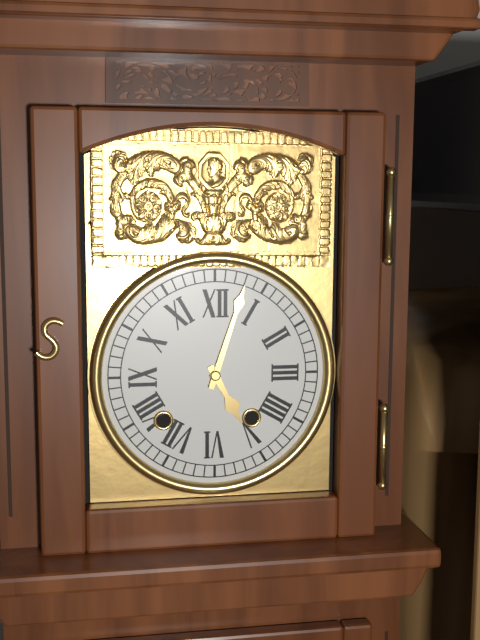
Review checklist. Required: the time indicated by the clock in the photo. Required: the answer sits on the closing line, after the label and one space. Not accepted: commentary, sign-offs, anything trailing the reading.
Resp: 5:03
